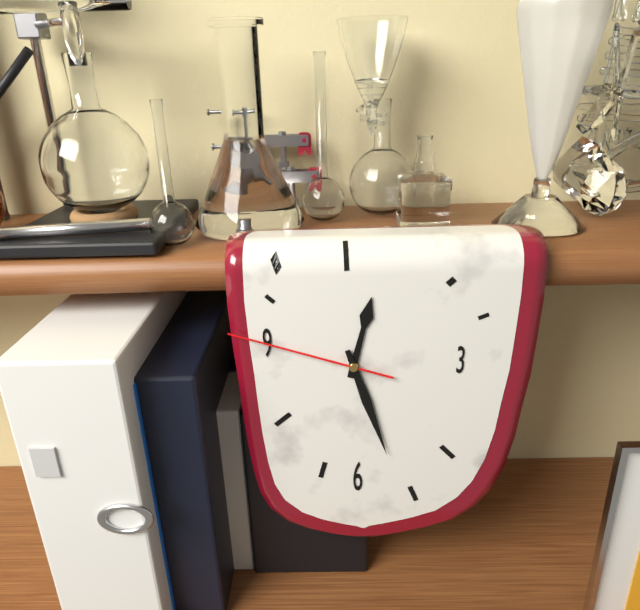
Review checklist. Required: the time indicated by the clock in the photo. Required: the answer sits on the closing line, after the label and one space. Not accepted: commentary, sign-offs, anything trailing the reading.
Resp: 12:27:48
